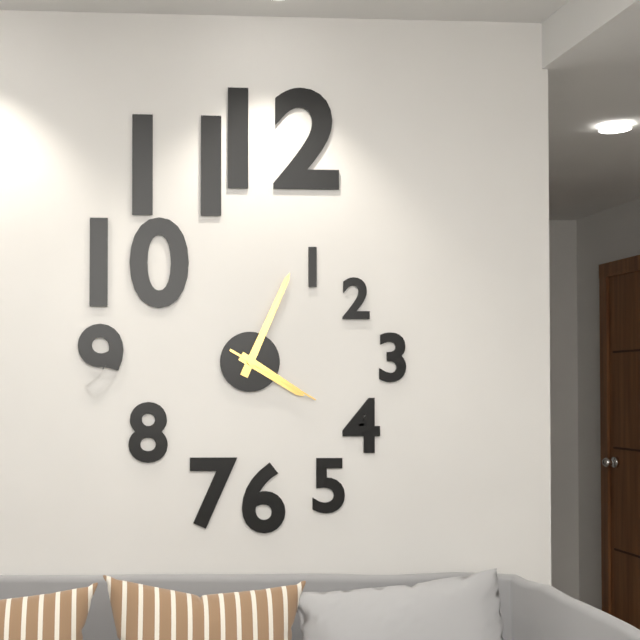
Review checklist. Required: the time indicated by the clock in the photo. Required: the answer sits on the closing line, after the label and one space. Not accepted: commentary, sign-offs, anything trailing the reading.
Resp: 4:04:20
